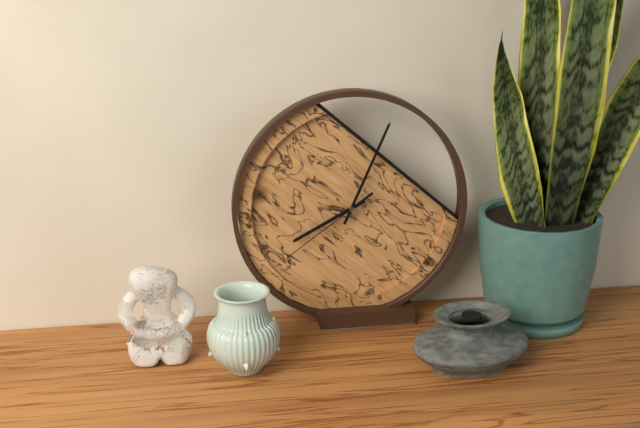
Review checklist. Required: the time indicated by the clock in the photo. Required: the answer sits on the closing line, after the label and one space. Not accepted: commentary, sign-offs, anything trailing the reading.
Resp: 8:04:39
